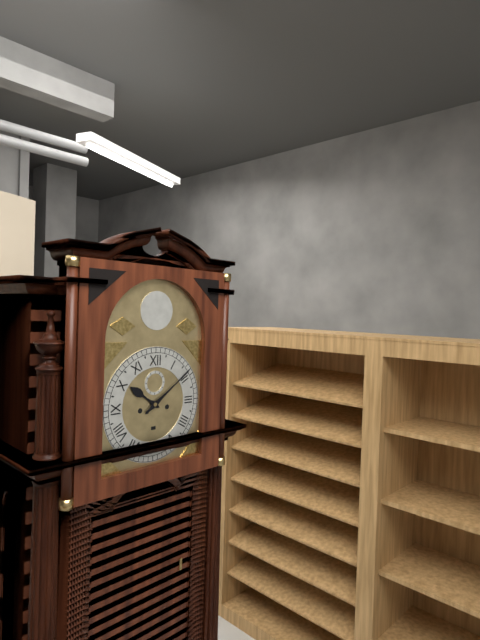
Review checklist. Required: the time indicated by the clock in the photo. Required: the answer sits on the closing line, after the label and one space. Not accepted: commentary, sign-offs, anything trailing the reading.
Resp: 10:09
